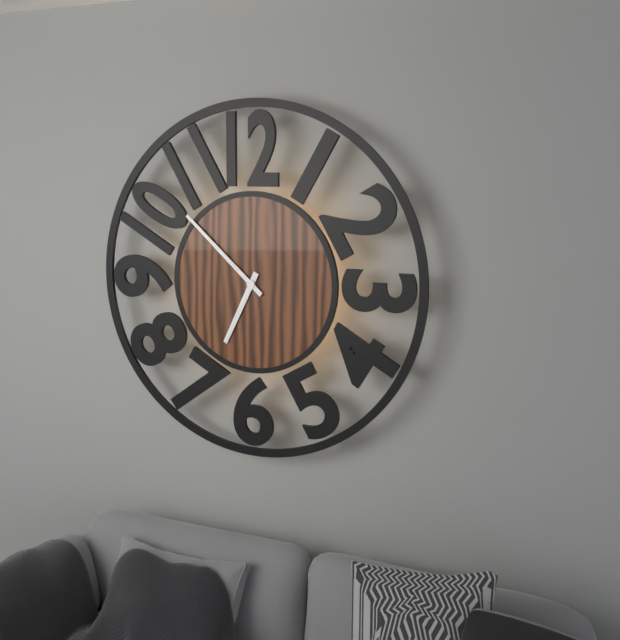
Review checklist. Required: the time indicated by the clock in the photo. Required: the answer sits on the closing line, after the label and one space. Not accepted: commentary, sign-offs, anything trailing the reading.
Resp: 6:52
